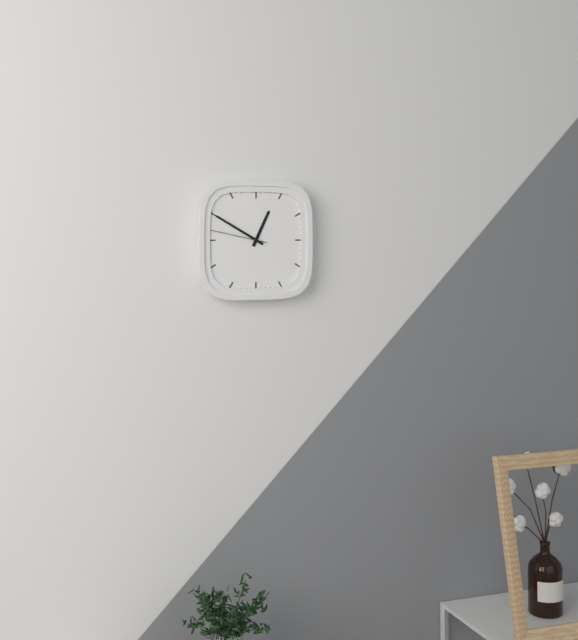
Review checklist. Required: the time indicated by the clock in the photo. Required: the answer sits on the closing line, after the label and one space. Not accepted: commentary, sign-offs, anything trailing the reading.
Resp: 12:50:47
